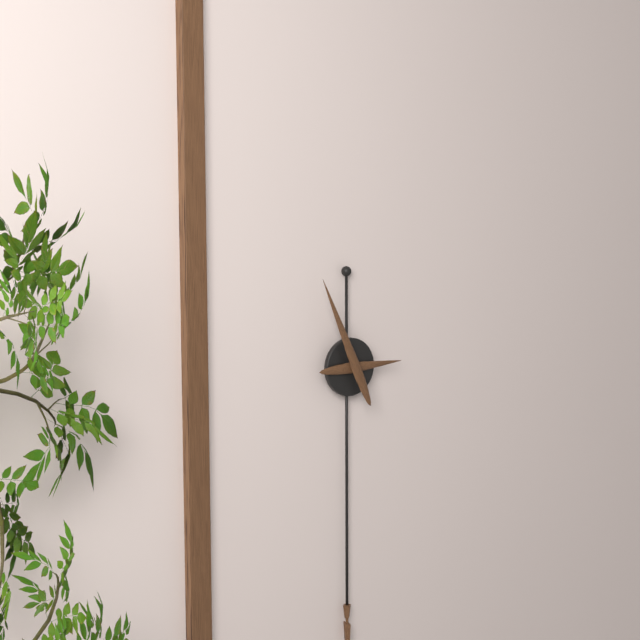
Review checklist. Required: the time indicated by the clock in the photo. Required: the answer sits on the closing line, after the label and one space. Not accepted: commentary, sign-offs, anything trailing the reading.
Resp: 2:56
